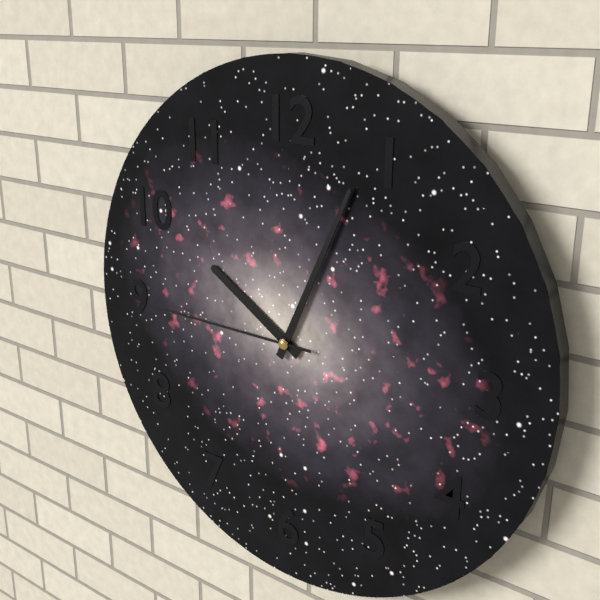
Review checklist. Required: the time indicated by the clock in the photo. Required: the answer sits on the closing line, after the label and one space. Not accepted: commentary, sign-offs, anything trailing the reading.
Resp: 10:04:45
